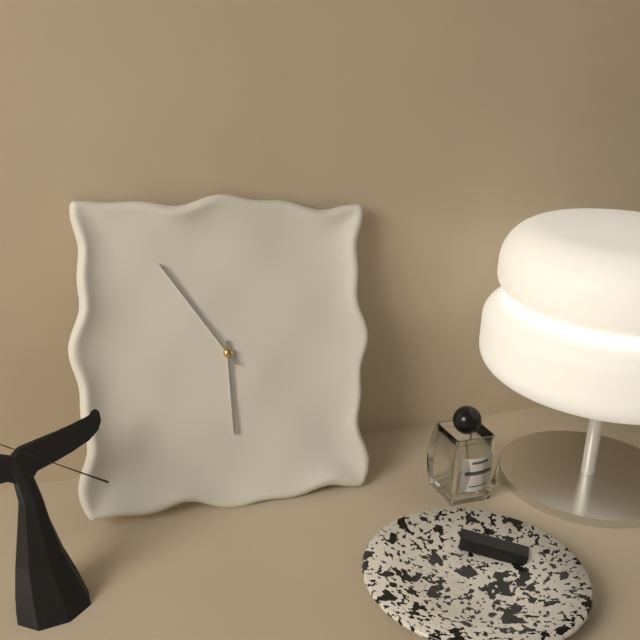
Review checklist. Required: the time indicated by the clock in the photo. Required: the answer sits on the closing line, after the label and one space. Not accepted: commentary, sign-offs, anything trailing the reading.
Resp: 5:54
